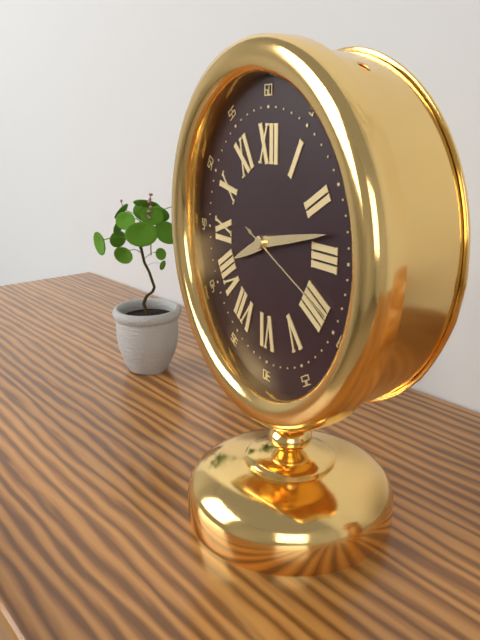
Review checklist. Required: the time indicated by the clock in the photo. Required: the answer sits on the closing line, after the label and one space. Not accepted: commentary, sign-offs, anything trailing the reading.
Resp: 8:13:19
